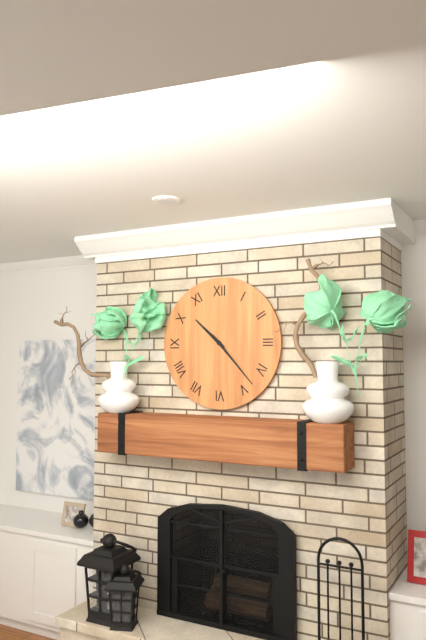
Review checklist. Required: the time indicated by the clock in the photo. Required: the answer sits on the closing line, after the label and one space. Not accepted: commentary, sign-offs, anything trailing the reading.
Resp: 10:23
